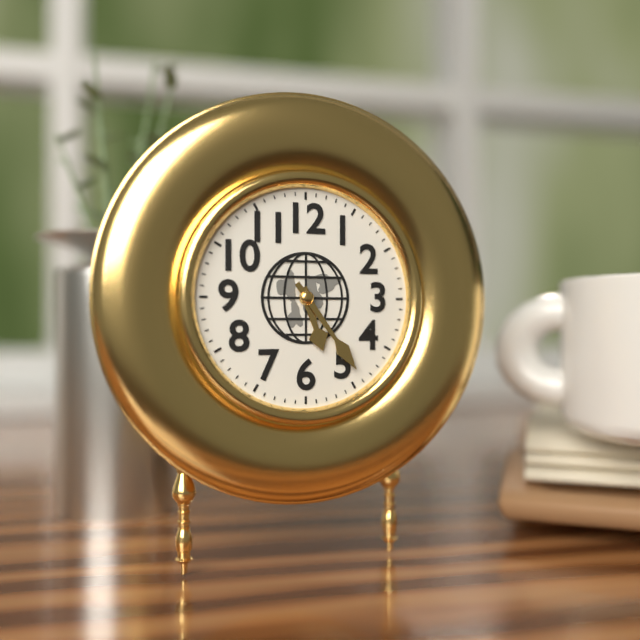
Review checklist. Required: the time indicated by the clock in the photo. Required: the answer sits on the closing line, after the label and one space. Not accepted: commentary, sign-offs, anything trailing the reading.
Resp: 5:24
